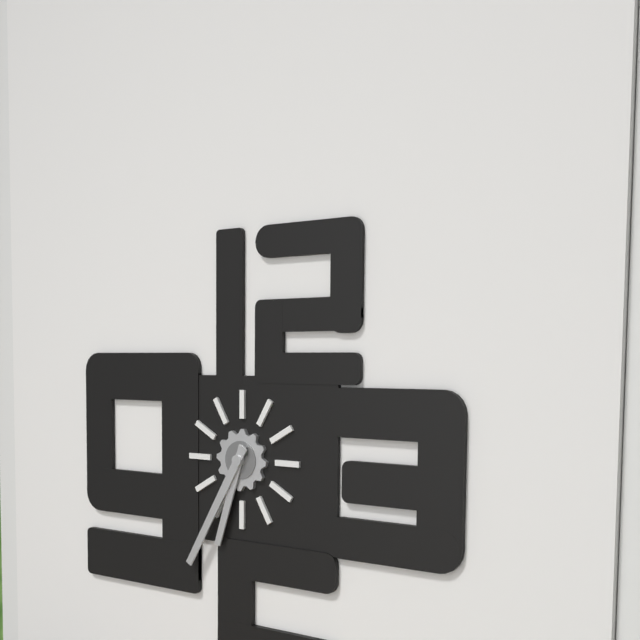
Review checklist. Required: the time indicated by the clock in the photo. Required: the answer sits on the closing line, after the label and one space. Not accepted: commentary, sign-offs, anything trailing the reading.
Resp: 6:35
